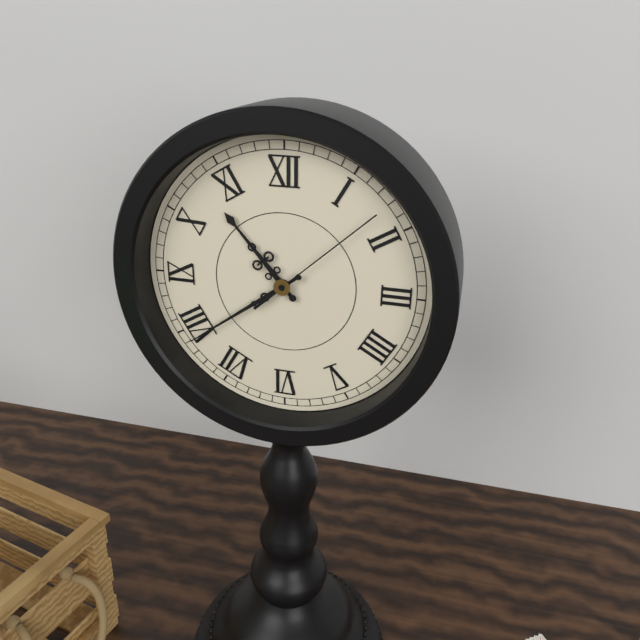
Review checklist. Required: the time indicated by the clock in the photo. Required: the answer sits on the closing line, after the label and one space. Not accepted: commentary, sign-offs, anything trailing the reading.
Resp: 10:39:08
